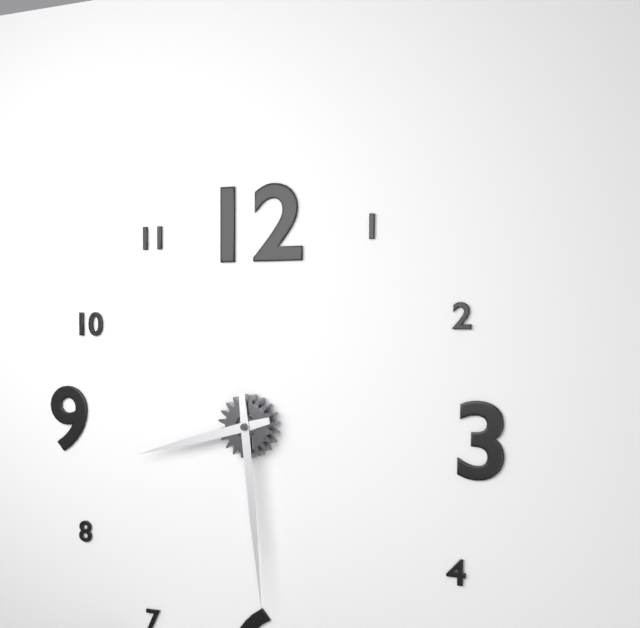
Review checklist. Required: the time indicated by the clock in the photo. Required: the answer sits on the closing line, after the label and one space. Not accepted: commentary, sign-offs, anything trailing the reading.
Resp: 8:29
